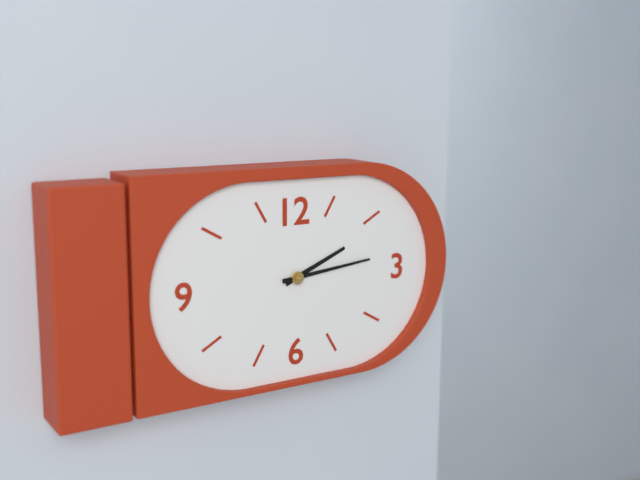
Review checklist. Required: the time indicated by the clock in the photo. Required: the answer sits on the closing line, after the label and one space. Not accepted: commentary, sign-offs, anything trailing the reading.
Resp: 2:14
